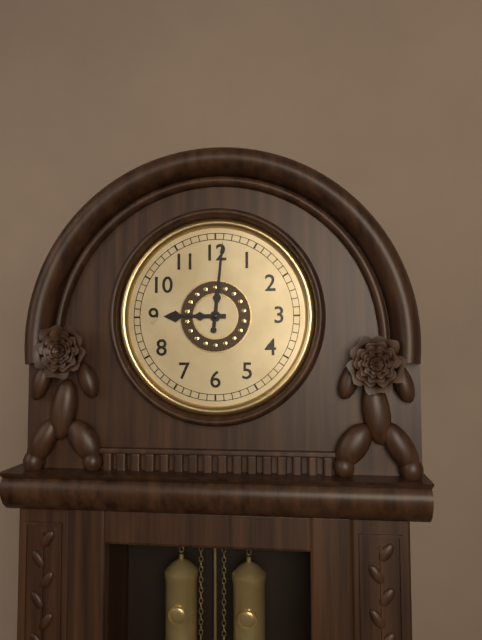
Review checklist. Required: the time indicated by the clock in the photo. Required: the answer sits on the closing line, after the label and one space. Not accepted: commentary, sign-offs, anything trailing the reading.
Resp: 9:01
